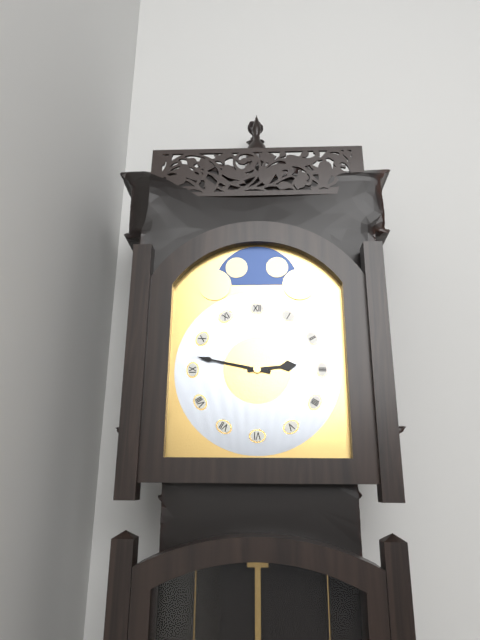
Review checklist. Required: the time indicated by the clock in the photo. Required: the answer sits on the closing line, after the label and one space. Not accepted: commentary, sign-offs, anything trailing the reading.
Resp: 2:47
